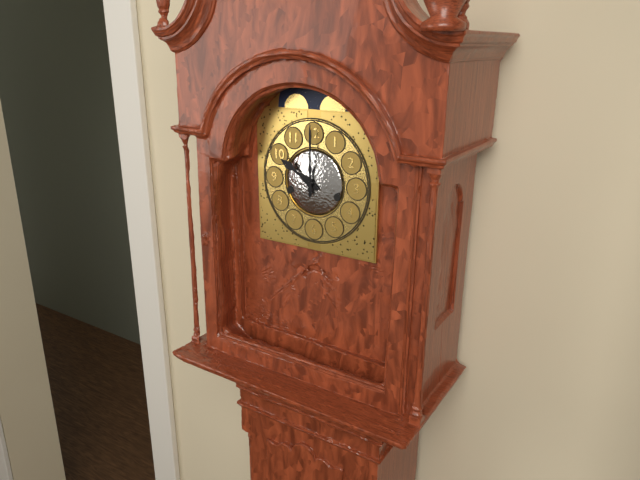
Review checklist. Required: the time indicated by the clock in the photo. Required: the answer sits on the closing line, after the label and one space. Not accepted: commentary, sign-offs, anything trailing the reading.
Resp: 10:00
